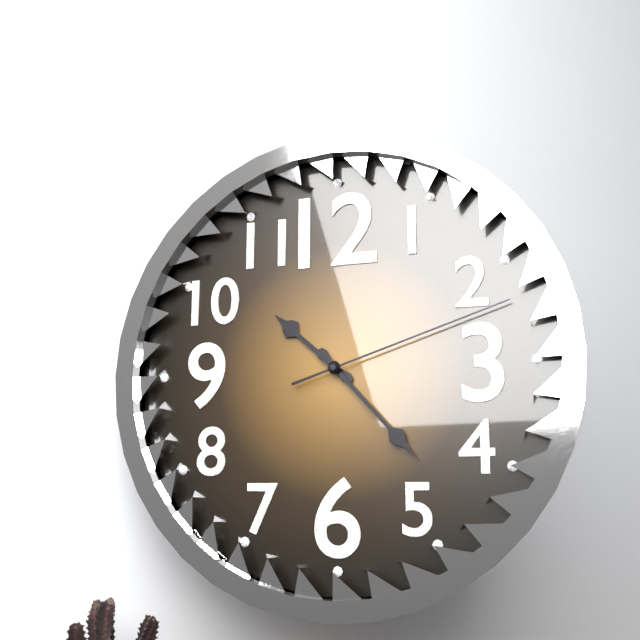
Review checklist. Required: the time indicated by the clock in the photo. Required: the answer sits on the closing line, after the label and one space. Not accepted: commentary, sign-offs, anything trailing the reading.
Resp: 10:23:12
